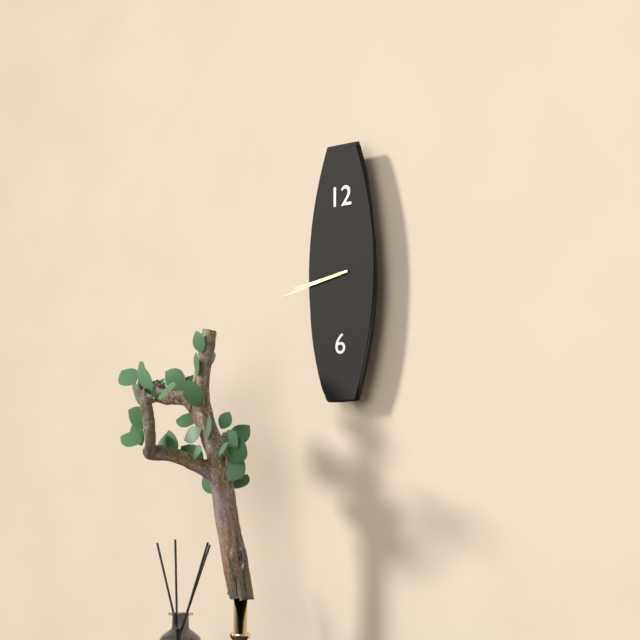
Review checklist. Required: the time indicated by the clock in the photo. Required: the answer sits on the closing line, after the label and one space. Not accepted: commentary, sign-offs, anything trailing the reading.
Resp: 8:43
